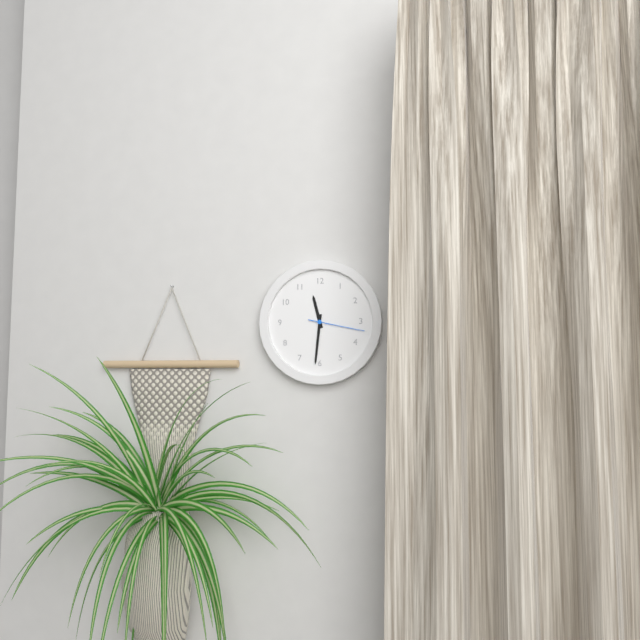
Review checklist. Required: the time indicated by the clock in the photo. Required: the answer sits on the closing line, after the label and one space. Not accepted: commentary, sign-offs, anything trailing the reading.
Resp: 11:31:17
